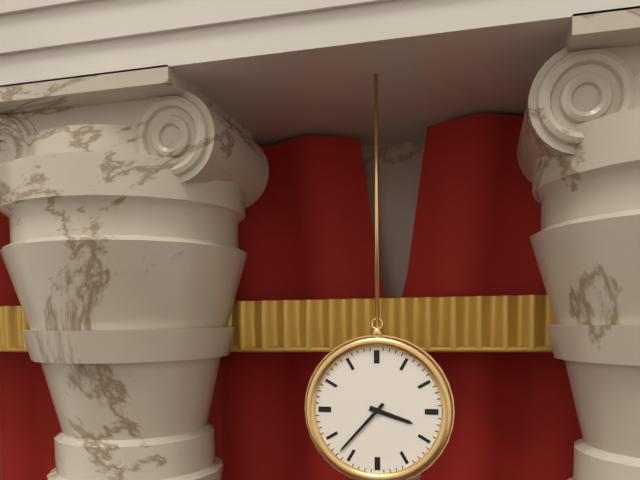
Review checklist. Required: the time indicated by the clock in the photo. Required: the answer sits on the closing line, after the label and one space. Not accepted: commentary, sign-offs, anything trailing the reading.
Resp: 3:37
